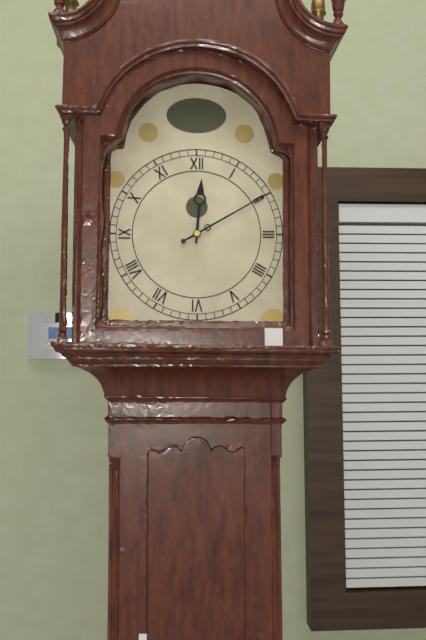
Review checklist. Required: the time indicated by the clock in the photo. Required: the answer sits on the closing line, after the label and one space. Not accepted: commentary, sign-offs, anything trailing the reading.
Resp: 12:10
